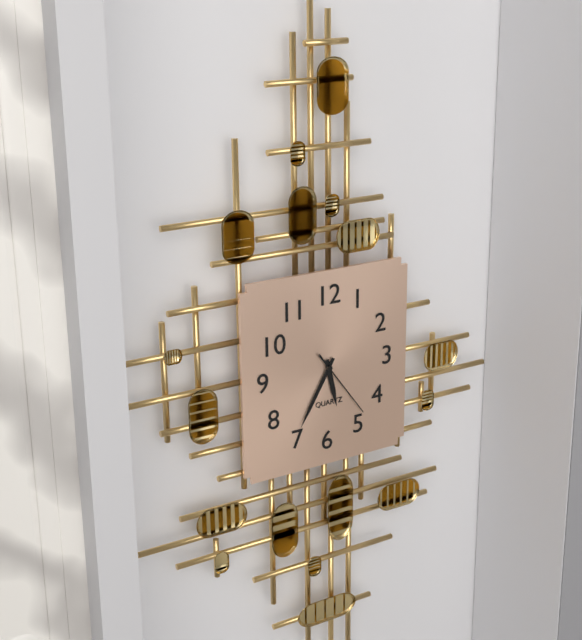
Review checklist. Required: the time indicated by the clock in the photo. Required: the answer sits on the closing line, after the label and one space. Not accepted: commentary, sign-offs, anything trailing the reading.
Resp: 5:35:24
